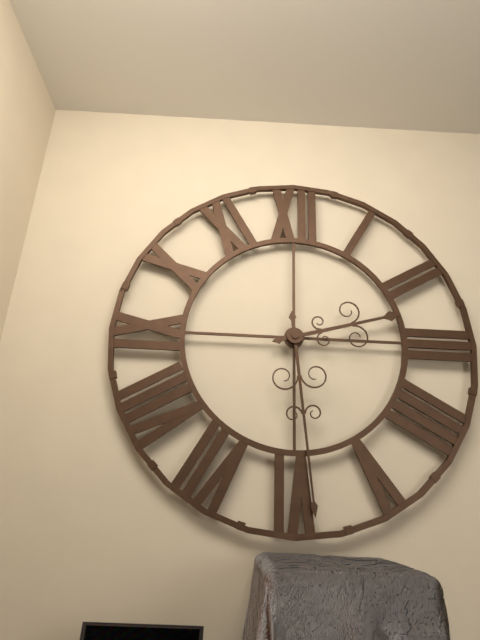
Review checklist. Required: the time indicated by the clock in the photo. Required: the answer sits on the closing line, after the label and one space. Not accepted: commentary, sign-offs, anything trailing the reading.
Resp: 2:29
